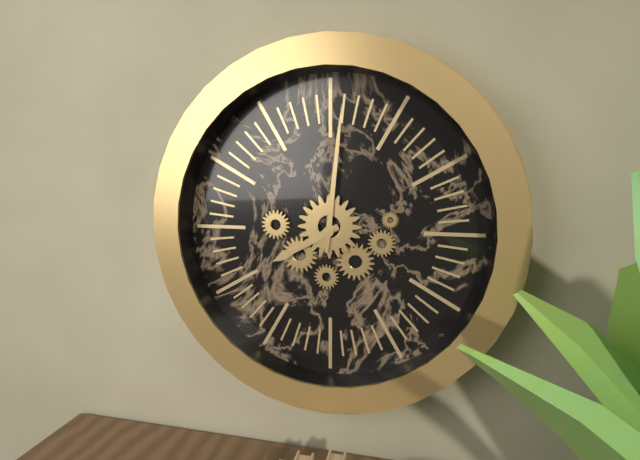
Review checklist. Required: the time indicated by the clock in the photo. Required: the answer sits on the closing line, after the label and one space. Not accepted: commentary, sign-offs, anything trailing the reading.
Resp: 8:01
